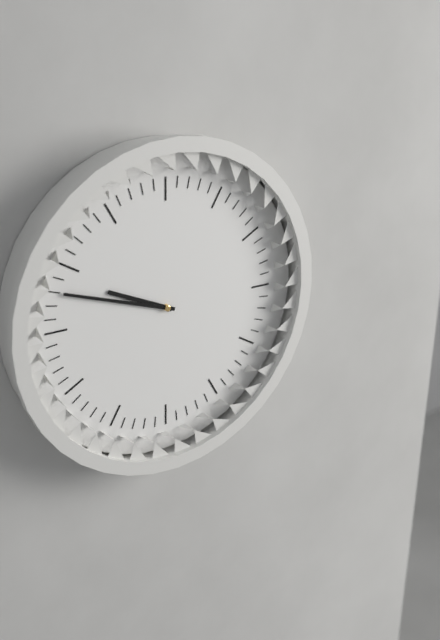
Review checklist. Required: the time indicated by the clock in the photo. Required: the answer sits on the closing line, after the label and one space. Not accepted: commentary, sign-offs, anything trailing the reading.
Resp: 9:48
